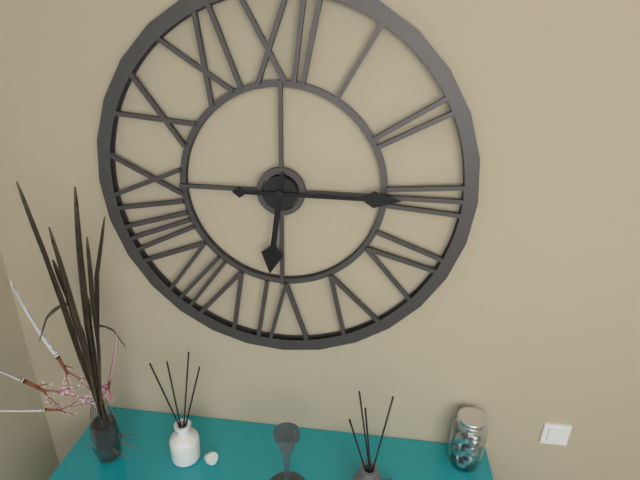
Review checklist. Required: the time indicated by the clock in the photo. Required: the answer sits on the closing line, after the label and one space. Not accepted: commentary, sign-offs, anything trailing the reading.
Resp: 6:15
